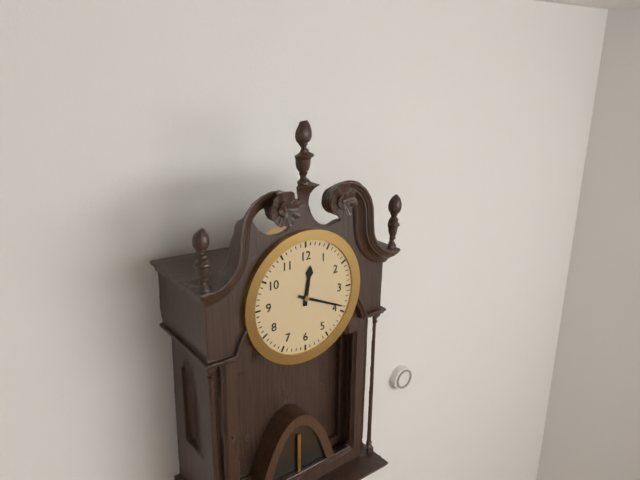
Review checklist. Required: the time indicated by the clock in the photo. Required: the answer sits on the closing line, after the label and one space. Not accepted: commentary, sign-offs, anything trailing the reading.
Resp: 12:19
